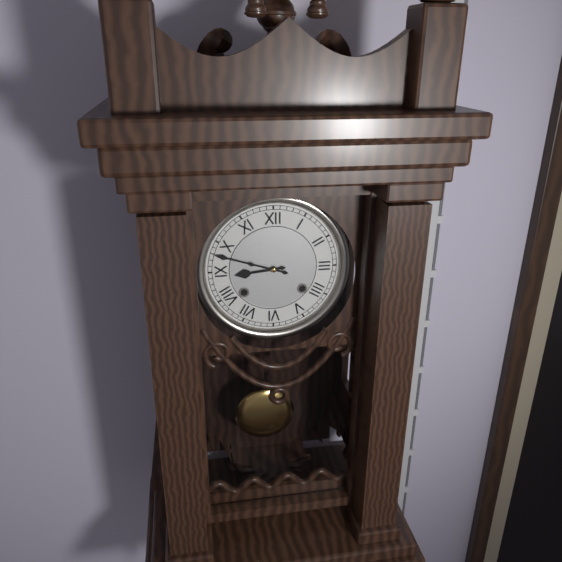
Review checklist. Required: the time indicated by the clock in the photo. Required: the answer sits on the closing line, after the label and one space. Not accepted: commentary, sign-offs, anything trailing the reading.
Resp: 8:48
